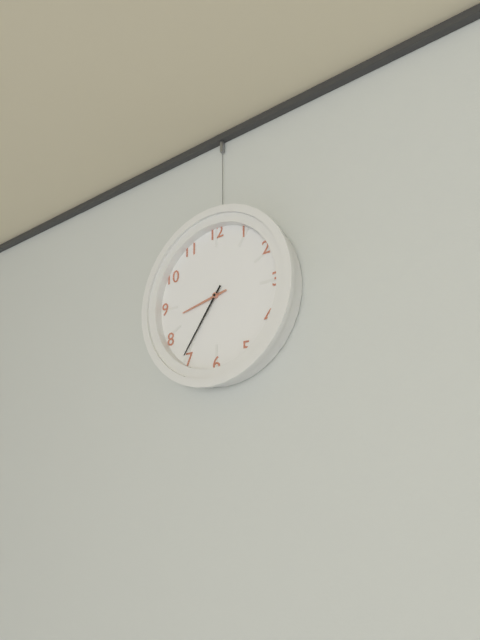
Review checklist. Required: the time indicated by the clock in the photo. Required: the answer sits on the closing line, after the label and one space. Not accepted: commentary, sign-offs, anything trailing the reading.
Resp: 8:36
